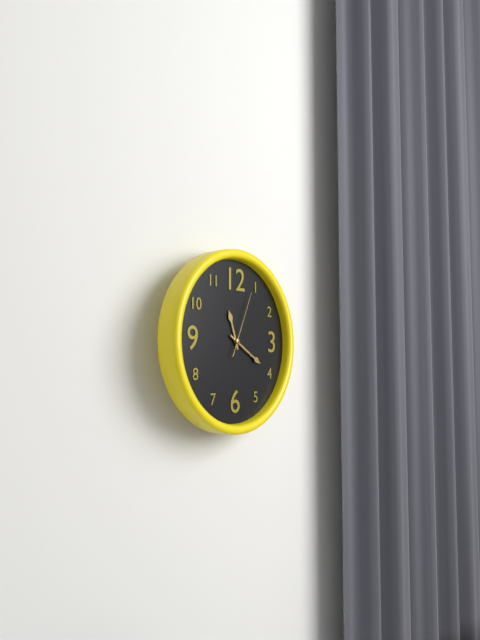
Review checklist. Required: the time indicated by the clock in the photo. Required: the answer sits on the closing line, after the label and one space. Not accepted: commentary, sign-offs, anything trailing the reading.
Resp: 11:20:04
